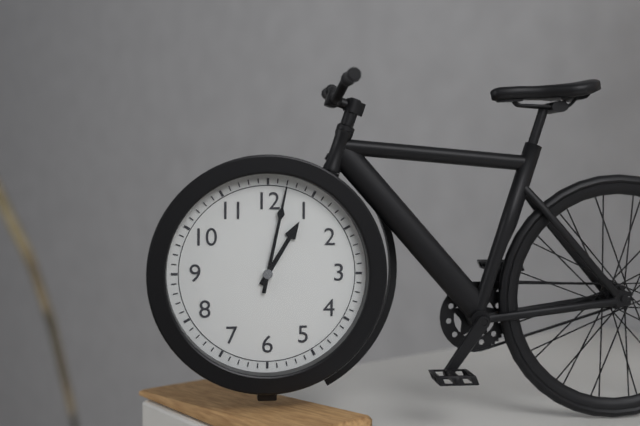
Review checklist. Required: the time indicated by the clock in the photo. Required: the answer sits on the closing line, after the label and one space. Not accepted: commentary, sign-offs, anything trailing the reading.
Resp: 1:02
